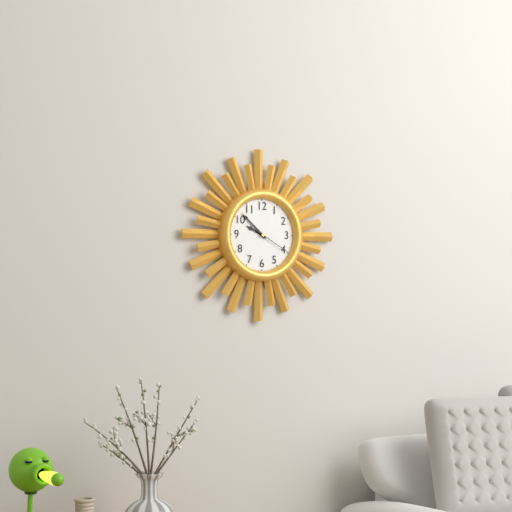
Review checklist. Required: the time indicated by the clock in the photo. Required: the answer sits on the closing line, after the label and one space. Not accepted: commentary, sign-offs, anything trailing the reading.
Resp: 9:52
